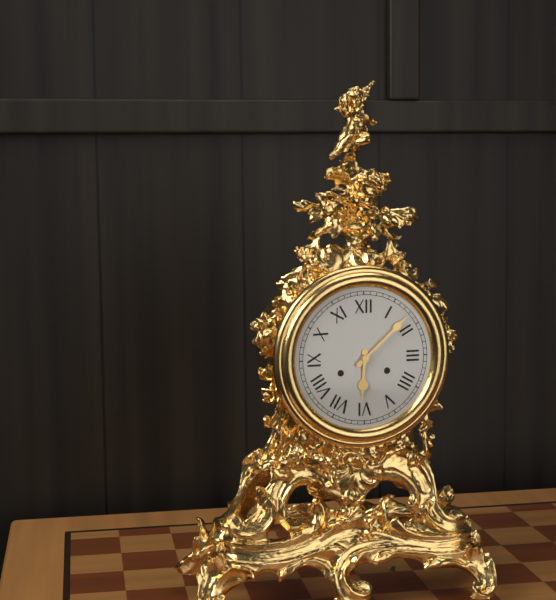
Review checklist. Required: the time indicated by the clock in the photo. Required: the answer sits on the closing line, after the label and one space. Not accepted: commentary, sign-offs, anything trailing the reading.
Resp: 6:08
